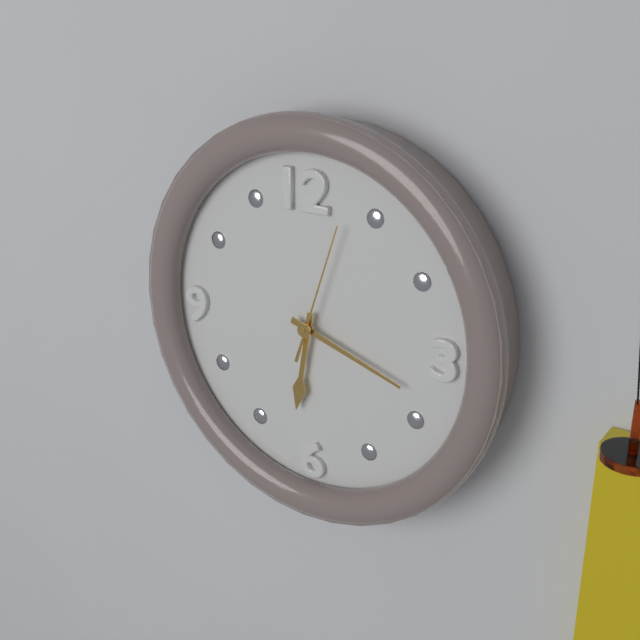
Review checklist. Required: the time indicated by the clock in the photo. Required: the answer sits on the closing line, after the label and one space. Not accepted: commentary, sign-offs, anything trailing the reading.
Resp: 6:18:03
